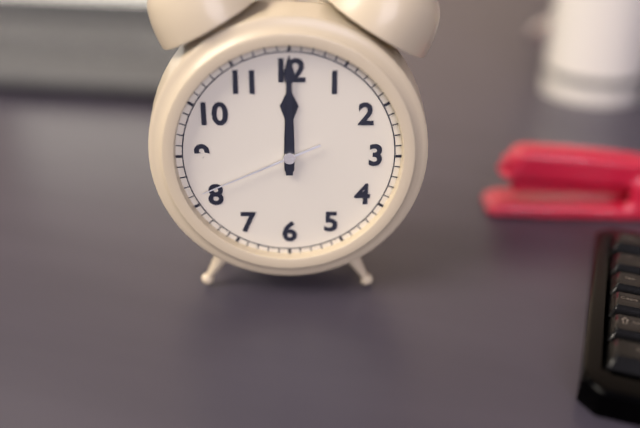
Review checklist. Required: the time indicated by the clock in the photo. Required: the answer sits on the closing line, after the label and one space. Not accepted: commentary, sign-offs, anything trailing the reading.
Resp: 12:00:41
